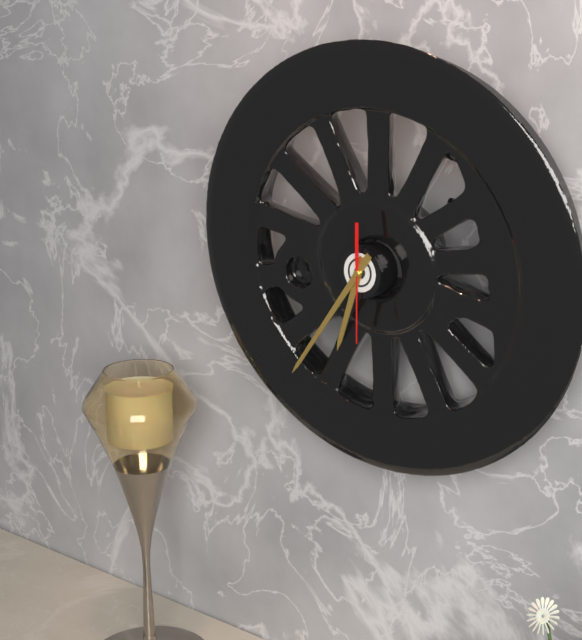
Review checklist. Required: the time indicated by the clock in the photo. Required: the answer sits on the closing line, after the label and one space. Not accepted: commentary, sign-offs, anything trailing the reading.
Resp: 6:36:30
